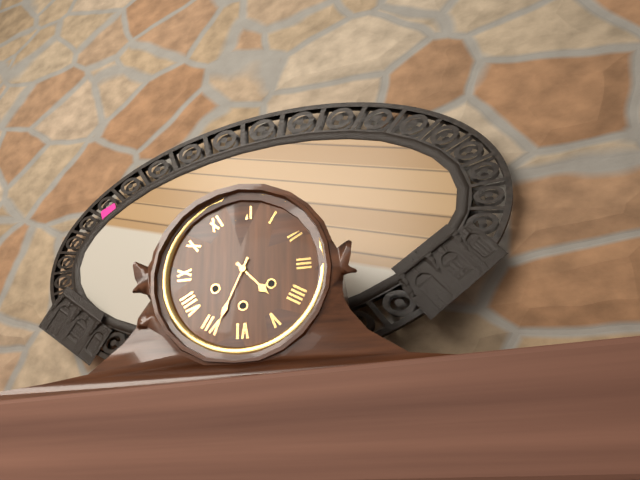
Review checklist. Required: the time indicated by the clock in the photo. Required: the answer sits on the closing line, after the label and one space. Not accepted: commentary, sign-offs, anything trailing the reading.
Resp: 4:34
